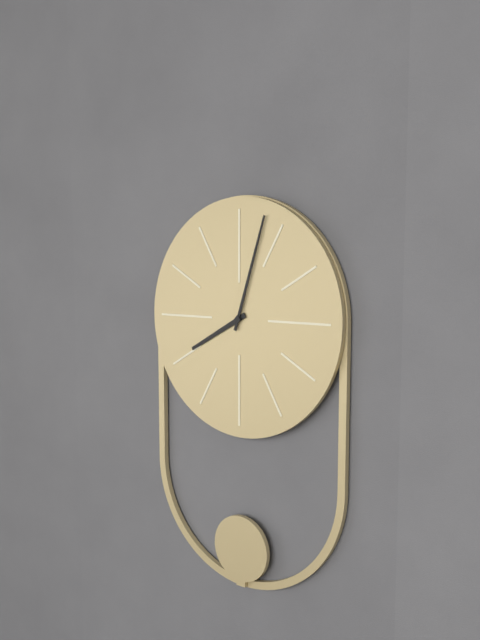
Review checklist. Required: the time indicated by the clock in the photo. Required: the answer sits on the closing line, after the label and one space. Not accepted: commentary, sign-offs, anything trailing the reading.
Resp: 8:03
